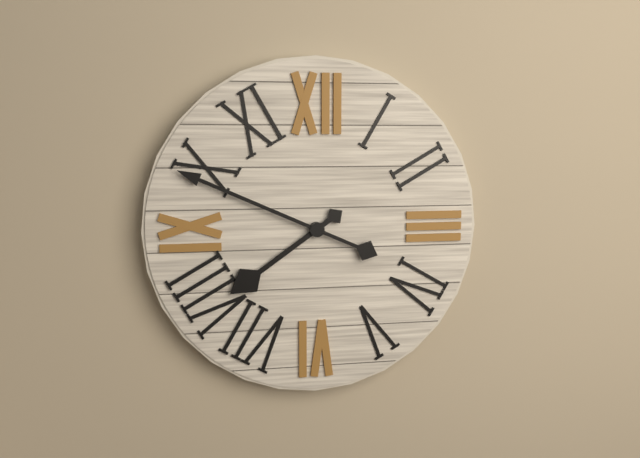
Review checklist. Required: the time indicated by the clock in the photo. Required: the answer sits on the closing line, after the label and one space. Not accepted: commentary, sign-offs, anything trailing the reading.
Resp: 7:49
